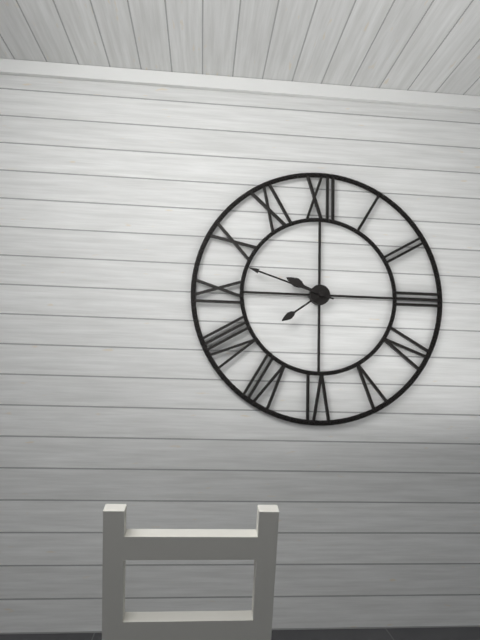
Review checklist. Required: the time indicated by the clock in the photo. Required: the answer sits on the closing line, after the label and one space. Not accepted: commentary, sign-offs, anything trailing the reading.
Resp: 9:48:39
